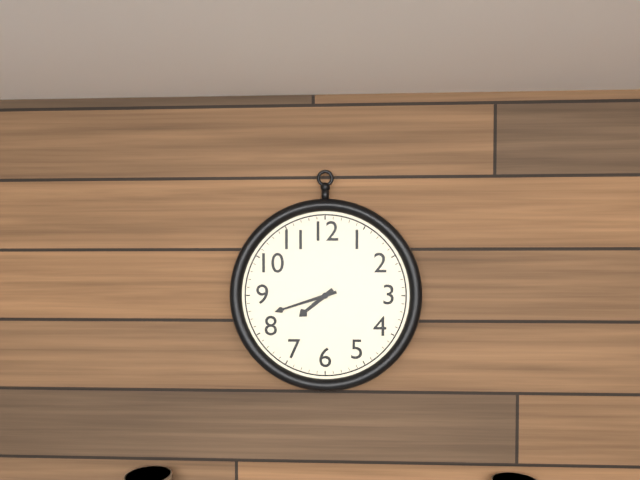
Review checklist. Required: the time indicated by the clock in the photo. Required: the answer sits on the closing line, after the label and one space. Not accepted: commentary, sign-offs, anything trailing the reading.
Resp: 7:42
